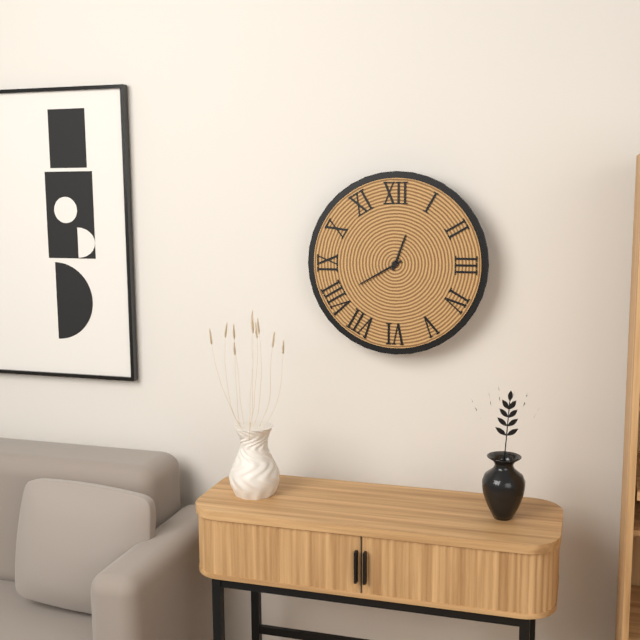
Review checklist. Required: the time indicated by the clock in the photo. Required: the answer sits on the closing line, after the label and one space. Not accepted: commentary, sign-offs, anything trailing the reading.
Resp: 12:40
